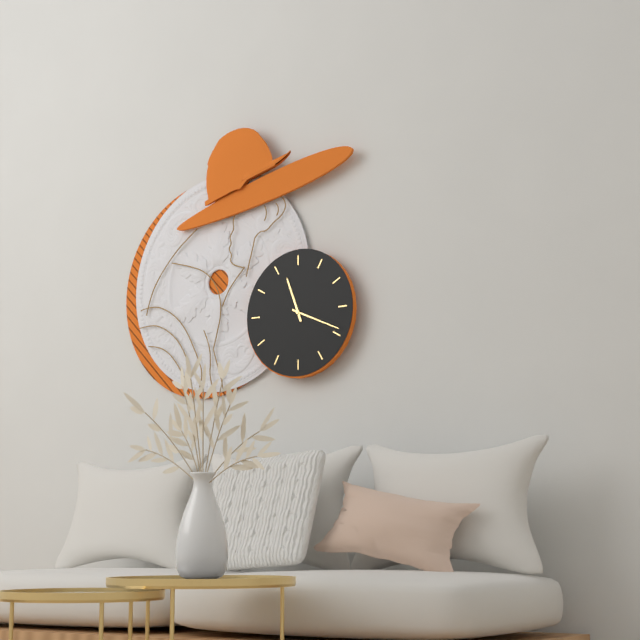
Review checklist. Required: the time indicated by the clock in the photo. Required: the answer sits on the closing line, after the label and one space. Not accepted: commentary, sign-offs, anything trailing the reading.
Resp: 11:19
